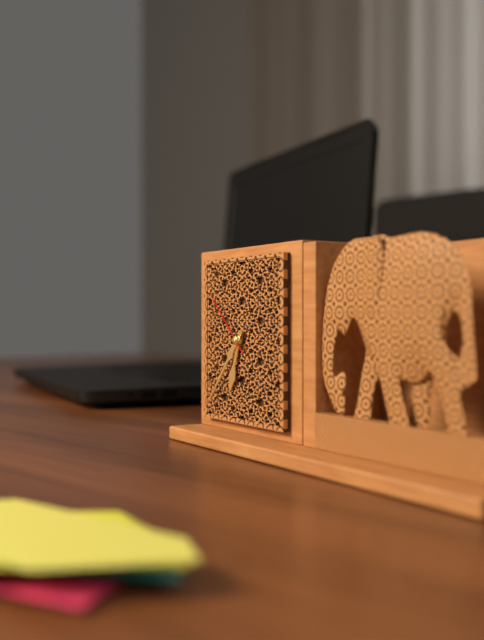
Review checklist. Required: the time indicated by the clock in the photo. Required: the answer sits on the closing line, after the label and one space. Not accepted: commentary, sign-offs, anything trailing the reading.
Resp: 6:37:52
